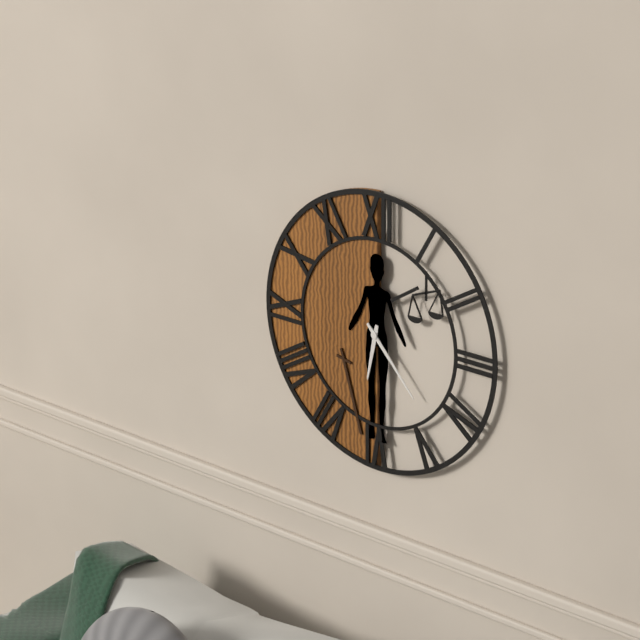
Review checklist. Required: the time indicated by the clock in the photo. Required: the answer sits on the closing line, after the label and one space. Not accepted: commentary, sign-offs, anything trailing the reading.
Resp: 6:23
